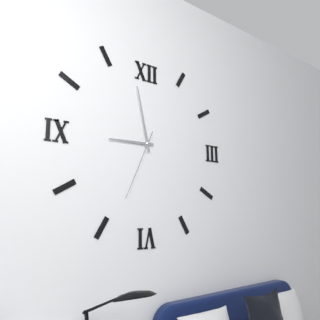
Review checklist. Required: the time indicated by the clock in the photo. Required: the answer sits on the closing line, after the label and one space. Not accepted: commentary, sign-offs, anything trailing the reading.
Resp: 8:58:34
